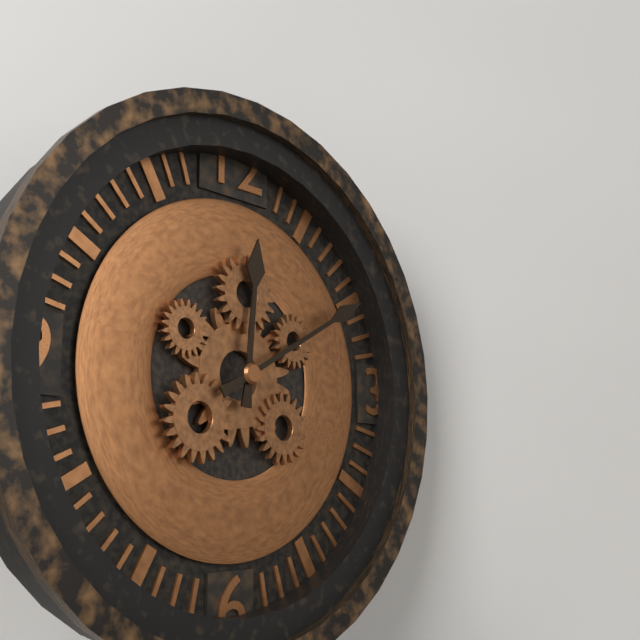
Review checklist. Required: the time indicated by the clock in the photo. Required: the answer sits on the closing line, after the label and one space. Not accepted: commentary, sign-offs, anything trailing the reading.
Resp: 12:10
